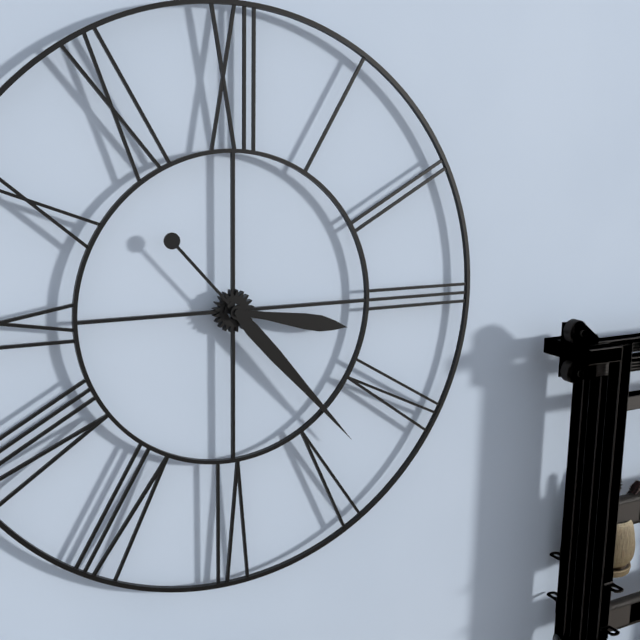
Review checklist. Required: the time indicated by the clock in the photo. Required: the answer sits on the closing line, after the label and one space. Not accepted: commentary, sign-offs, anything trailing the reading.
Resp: 3:23
